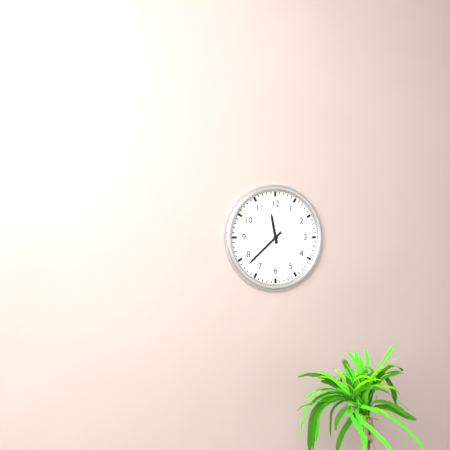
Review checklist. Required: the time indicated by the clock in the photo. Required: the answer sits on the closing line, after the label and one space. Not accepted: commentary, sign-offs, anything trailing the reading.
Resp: 11:38
